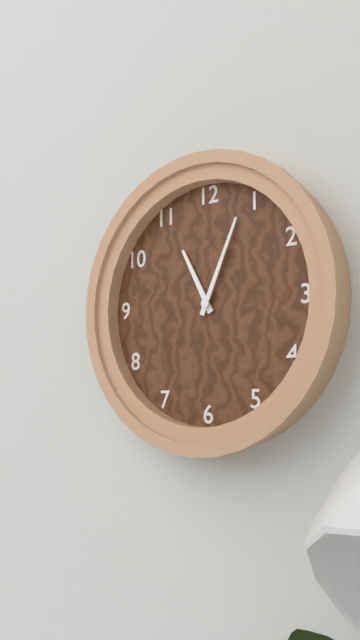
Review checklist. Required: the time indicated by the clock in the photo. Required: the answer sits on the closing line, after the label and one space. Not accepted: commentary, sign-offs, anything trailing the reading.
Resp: 11:04
